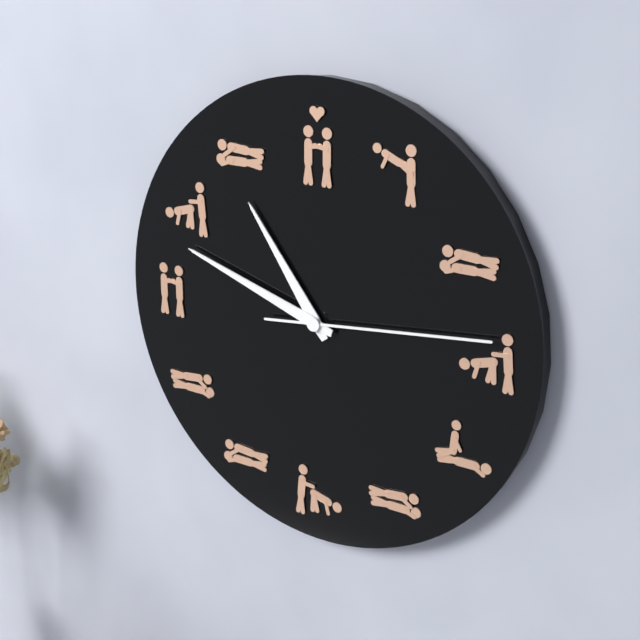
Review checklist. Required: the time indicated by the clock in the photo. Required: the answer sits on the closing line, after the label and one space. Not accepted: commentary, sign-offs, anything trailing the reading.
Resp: 10:48:14
